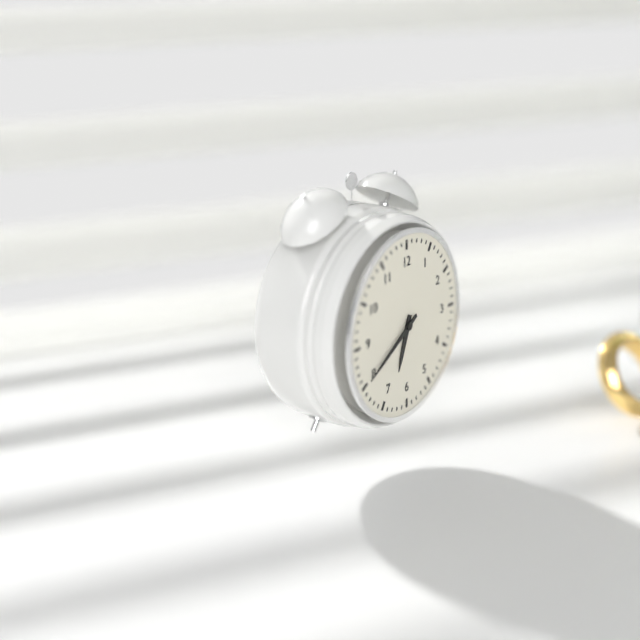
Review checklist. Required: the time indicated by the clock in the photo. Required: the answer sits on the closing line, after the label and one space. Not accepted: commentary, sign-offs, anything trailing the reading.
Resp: 6:40
